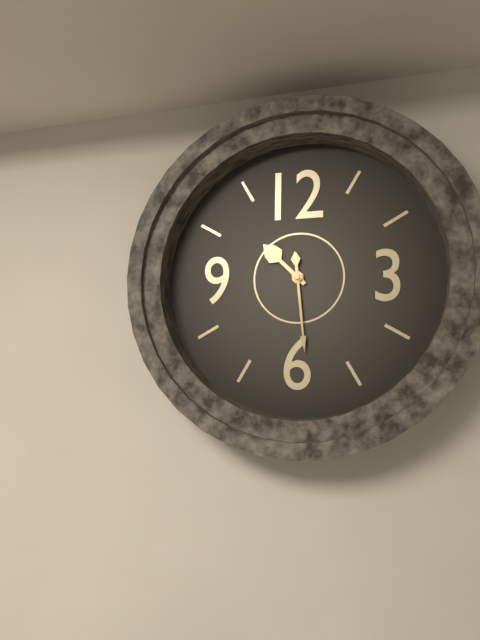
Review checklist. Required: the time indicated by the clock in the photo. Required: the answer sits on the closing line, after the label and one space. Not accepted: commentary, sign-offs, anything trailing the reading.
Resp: 10:29
